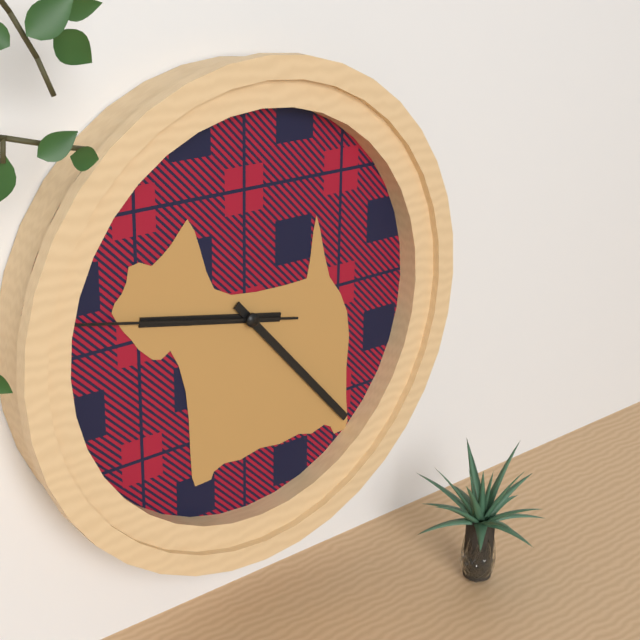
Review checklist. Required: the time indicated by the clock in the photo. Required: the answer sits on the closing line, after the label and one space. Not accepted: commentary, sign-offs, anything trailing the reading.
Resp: 9:23:47
